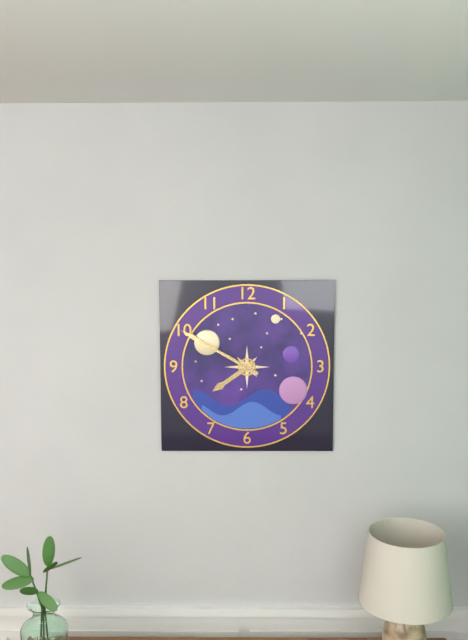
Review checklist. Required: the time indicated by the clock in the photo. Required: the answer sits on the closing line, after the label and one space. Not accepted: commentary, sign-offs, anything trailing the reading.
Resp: 7:50
